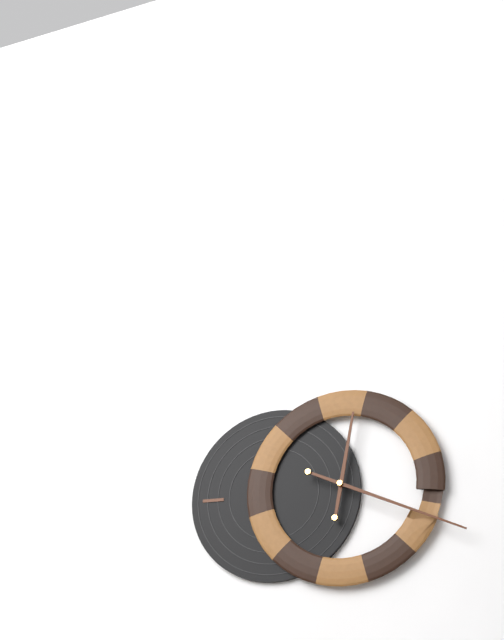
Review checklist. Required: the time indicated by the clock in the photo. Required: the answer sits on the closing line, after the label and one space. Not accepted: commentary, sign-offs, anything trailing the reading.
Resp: 12:19
